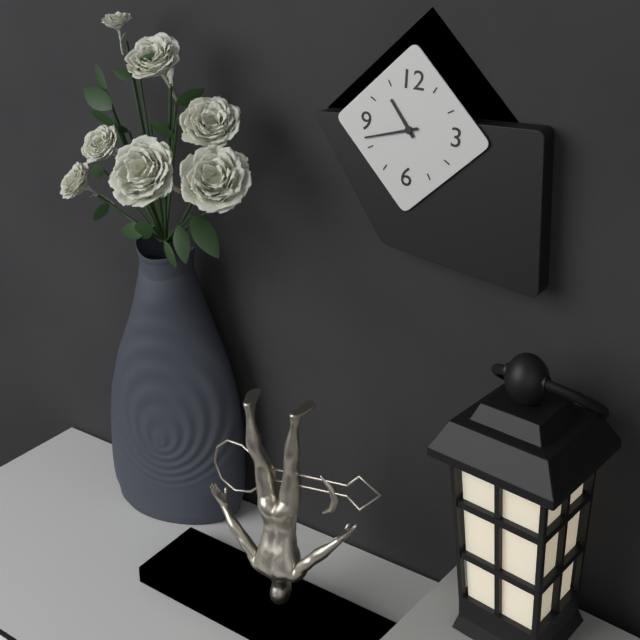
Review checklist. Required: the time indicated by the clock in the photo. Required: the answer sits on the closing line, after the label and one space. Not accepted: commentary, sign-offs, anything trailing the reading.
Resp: 10:42
